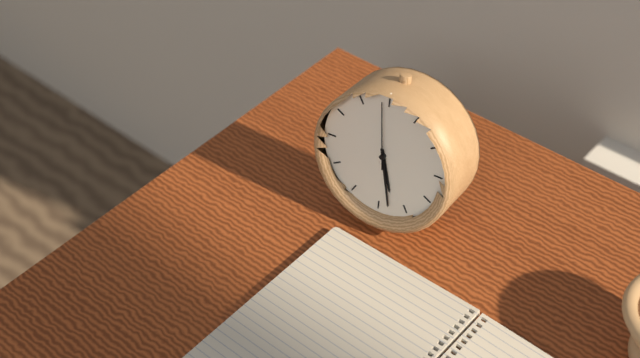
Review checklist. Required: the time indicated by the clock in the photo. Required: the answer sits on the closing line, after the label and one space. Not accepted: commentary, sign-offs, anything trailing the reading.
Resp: 5:28:59
